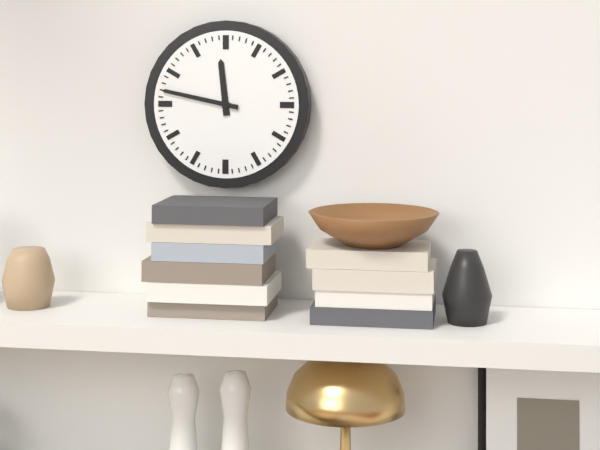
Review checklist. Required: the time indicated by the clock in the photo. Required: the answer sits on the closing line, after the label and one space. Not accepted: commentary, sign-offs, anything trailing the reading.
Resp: 11:47
